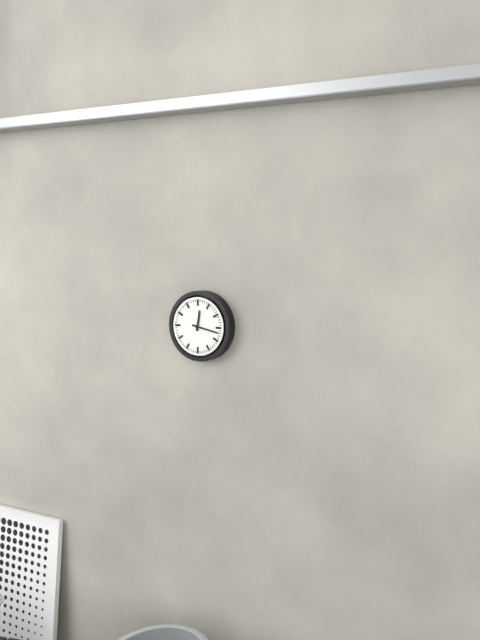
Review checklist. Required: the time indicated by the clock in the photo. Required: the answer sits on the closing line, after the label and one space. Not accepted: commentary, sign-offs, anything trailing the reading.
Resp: 12:17
